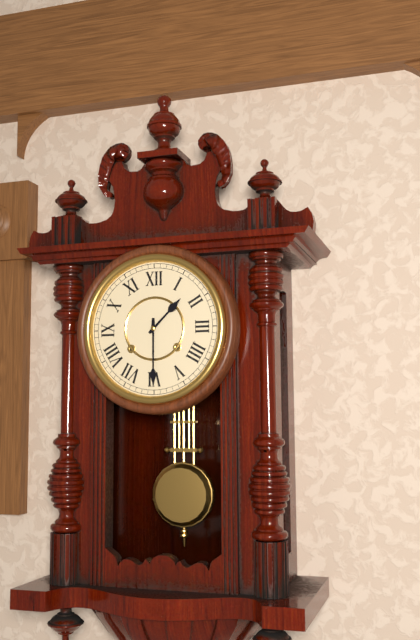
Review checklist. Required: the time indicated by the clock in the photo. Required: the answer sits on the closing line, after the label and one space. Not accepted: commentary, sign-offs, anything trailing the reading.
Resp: 1:30
